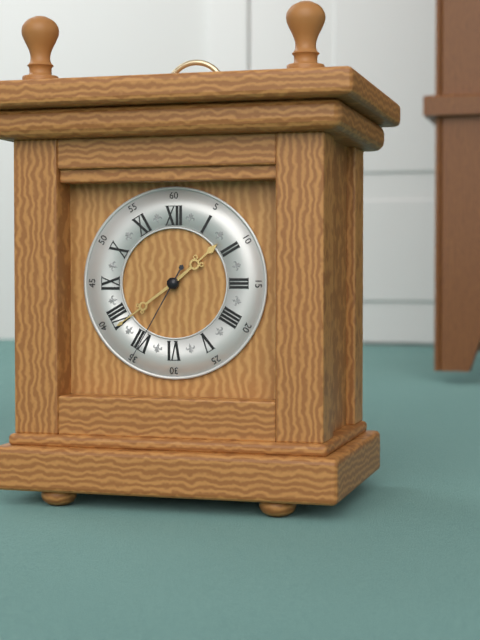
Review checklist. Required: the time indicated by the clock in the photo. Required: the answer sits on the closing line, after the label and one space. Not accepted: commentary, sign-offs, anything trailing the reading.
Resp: 1:39:35
